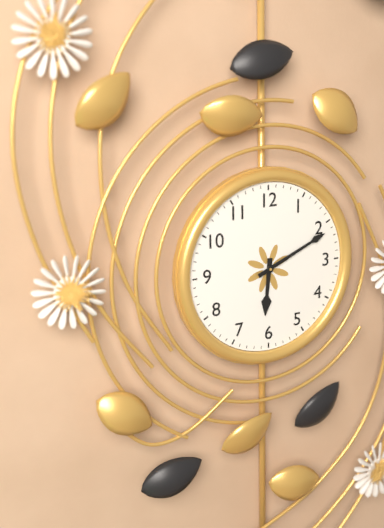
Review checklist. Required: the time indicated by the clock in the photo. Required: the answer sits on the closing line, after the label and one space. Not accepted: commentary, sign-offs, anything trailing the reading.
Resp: 6:11
